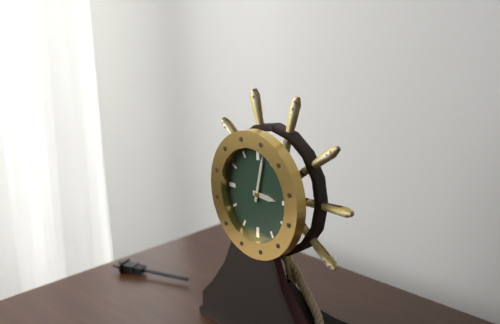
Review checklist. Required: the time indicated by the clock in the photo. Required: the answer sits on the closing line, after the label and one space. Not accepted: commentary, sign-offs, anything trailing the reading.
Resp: 3:02
